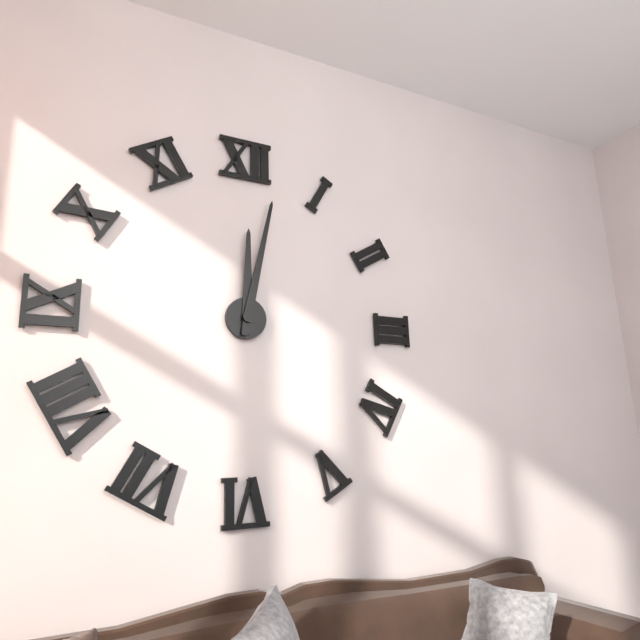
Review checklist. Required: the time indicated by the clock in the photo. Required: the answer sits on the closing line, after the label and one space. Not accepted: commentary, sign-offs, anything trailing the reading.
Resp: 12:02
